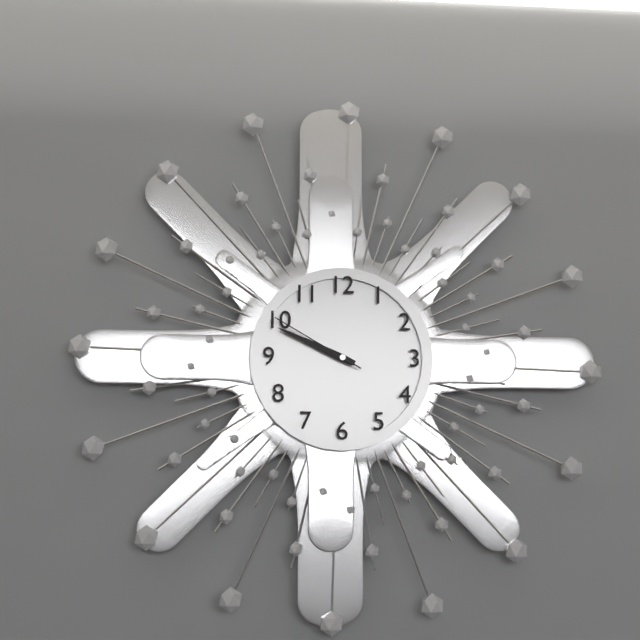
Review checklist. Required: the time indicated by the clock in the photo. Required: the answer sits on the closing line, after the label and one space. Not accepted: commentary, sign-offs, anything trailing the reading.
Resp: 9:49:50
